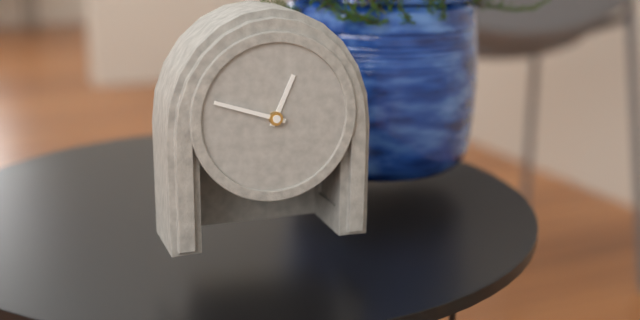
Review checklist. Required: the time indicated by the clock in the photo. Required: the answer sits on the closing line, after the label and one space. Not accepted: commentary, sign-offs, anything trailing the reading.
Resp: 12:48
